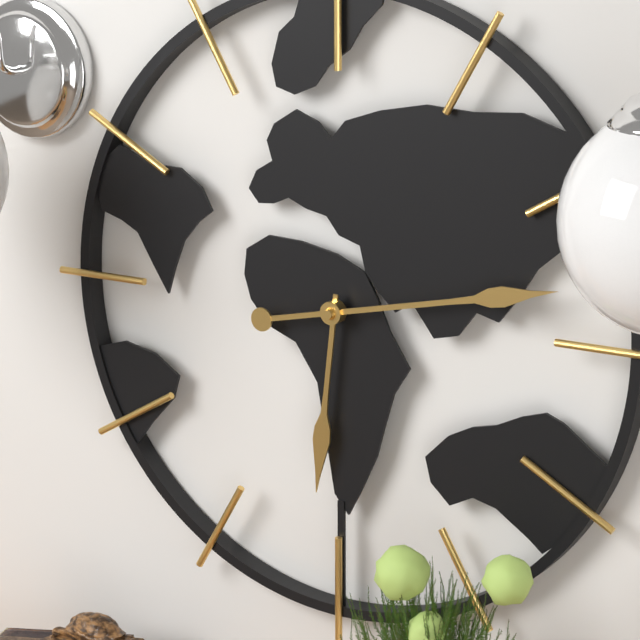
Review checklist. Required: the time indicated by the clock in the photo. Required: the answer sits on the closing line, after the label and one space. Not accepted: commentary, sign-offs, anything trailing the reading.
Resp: 6:13
